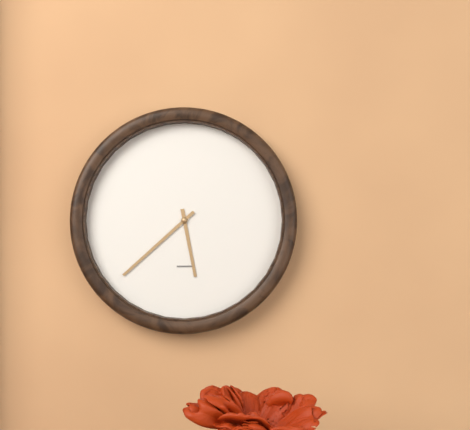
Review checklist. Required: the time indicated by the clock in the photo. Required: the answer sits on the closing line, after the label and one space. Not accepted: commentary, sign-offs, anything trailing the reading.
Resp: 5:38
